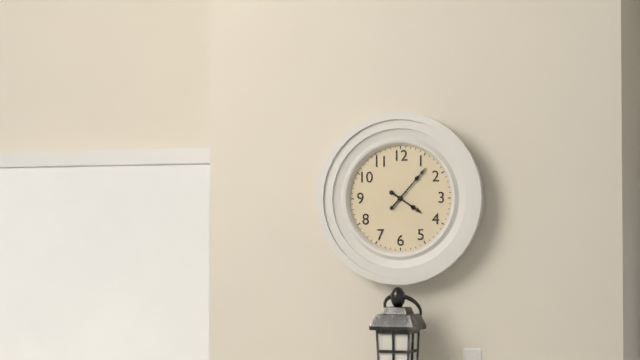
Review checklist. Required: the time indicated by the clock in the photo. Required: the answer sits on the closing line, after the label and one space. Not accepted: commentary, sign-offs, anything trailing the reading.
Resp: 4:07
